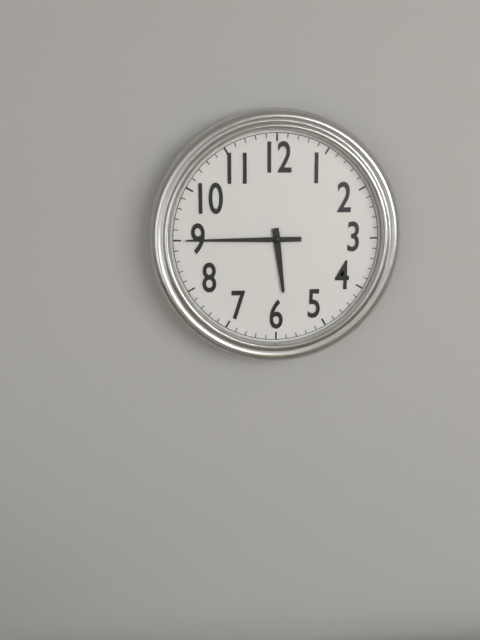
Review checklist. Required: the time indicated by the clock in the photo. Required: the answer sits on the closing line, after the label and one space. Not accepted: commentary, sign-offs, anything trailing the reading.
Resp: 5:45
